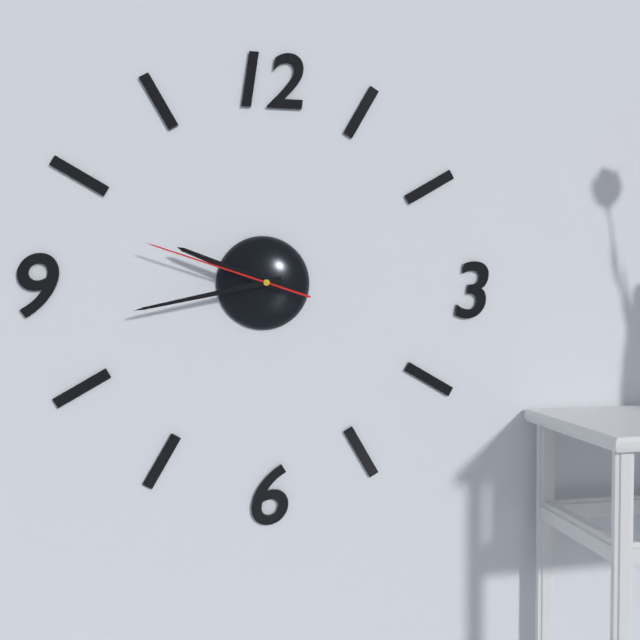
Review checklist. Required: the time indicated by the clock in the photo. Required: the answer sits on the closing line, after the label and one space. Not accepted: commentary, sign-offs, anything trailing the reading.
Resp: 9:43:48
